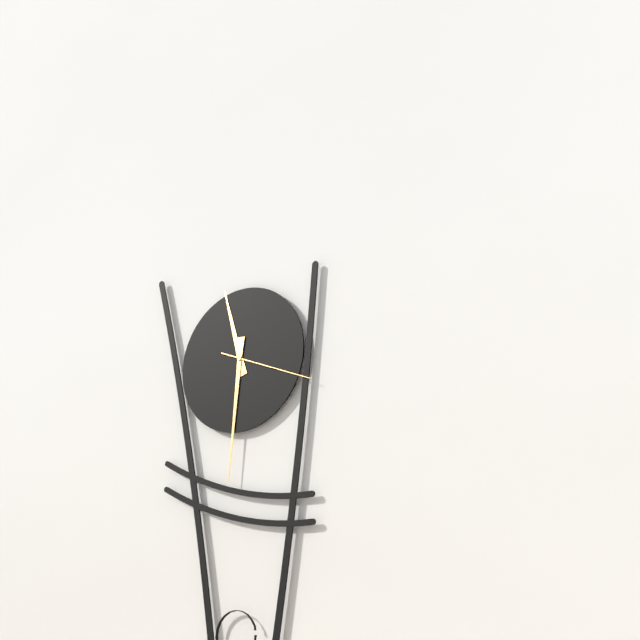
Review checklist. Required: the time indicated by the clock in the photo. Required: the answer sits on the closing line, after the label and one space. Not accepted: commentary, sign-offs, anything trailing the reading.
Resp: 11:31:19
